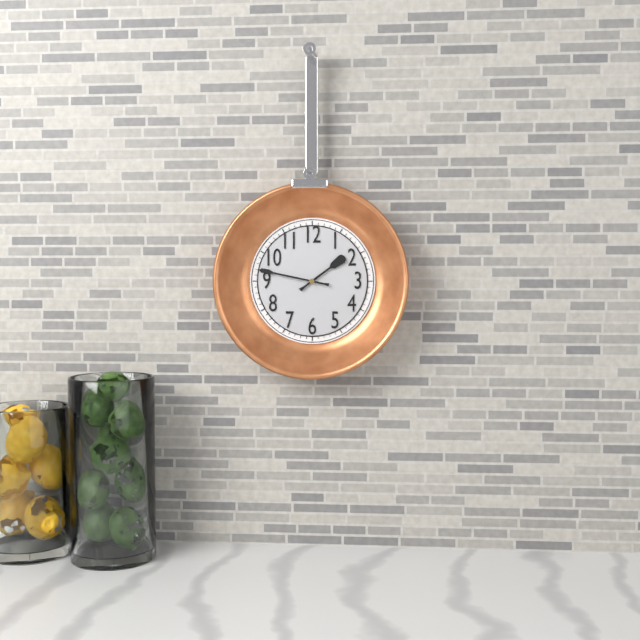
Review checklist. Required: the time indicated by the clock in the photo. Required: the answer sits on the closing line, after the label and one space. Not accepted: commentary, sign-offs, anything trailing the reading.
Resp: 1:47
